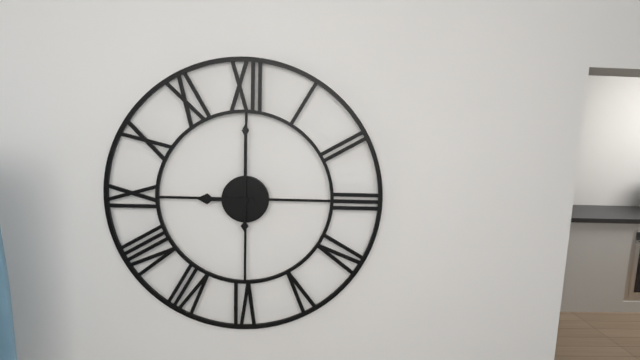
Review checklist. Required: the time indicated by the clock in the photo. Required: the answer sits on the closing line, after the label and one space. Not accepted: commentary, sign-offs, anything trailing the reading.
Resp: 9:00
